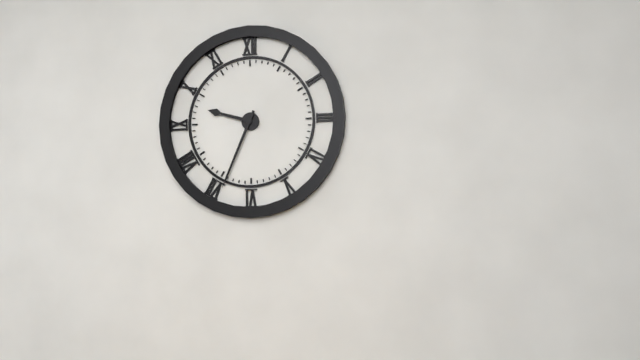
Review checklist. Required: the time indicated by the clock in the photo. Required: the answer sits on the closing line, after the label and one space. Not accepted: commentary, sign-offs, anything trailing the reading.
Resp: 9:34
